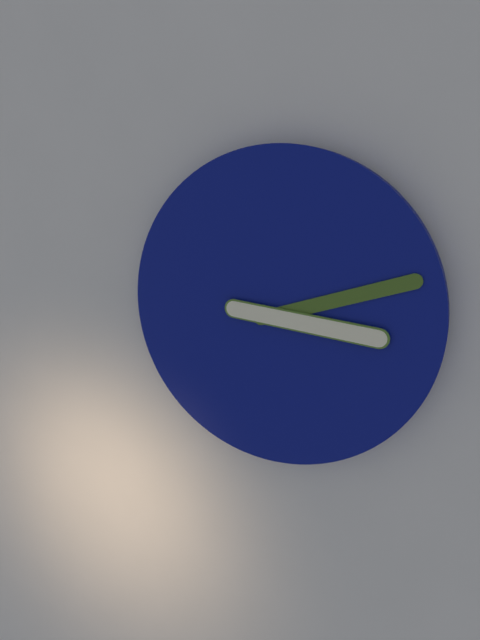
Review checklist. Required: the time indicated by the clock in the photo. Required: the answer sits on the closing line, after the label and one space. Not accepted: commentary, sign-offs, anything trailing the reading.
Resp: 3:12
